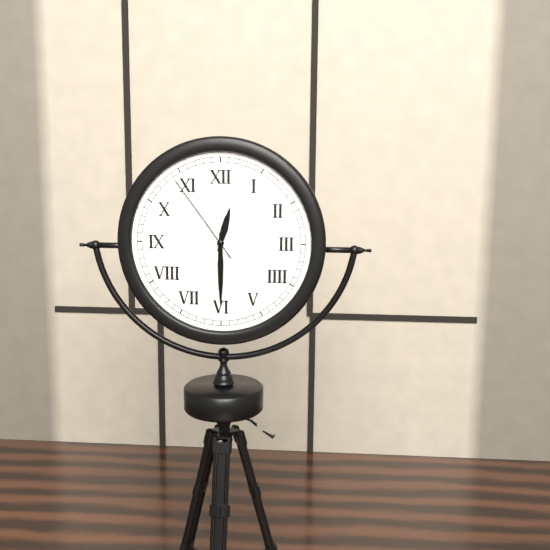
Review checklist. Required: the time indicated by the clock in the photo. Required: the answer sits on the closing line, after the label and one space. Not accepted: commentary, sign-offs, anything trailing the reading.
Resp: 12:30:54
